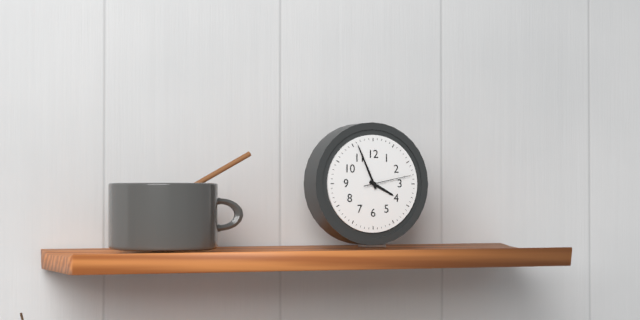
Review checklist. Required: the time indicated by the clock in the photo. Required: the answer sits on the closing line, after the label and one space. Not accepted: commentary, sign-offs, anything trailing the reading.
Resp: 3:56:13
